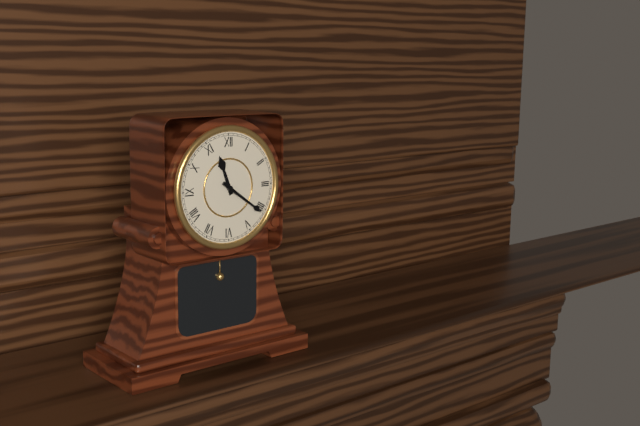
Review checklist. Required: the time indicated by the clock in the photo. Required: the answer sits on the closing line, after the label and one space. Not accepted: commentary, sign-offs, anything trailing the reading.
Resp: 11:21
